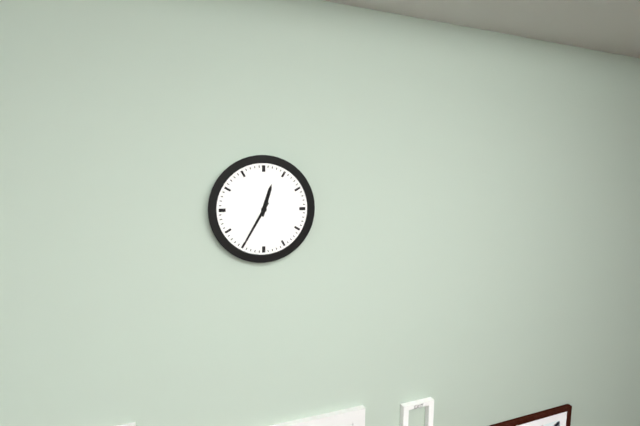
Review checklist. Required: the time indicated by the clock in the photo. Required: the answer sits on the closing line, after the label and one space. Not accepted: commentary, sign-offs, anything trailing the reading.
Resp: 12:35
